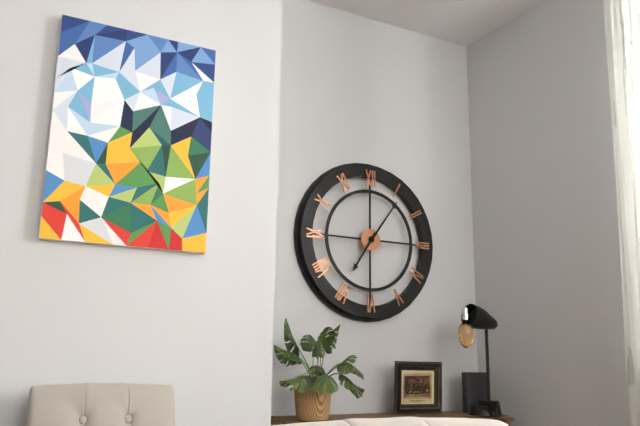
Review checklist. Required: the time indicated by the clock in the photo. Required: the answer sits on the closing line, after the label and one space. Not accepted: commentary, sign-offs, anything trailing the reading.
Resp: 7:06
